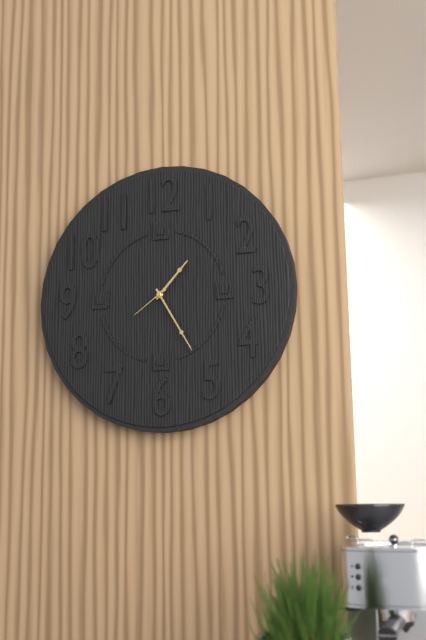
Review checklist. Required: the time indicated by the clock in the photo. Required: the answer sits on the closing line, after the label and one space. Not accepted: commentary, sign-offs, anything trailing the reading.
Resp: 1:25
